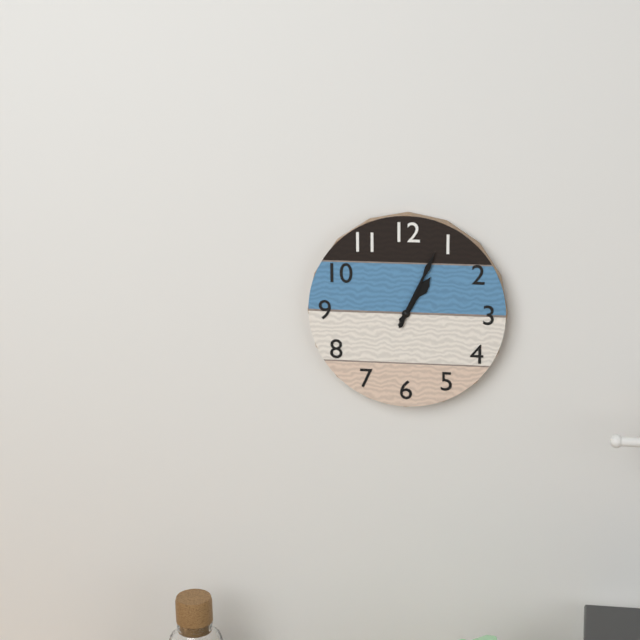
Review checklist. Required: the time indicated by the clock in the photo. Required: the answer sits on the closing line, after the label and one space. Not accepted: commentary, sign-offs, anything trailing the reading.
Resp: 1:04
